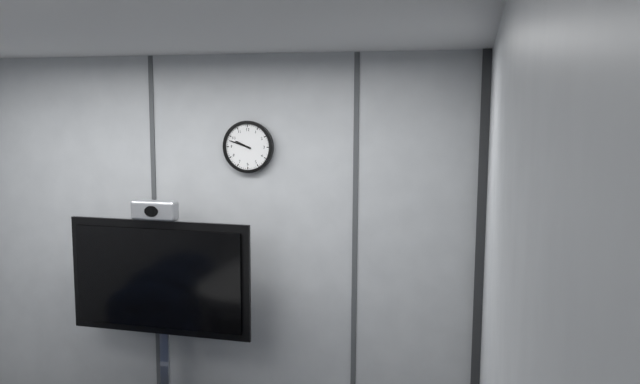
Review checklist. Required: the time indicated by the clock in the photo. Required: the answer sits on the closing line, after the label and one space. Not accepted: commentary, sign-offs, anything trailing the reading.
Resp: 9:48
